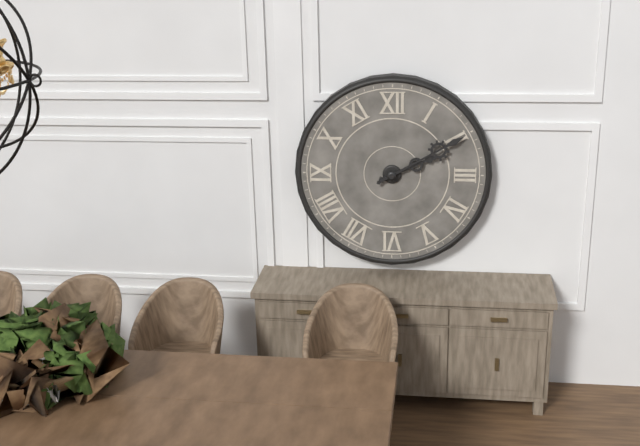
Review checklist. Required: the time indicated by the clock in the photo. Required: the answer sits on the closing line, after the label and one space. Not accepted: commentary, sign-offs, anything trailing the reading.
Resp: 2:10
